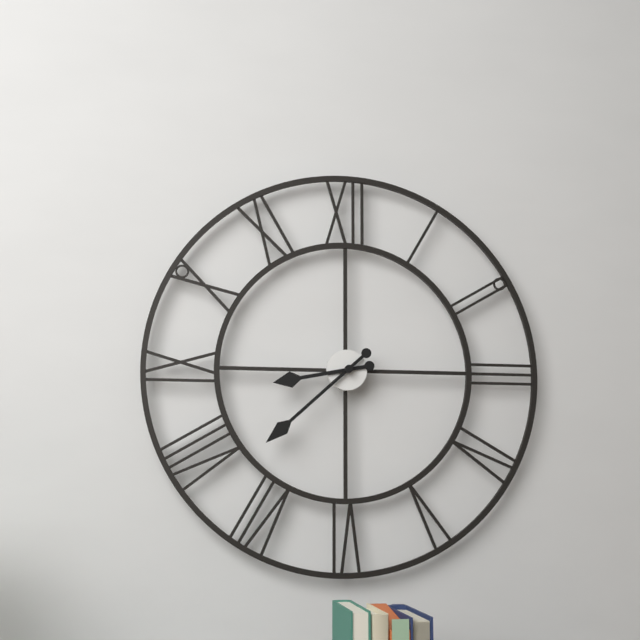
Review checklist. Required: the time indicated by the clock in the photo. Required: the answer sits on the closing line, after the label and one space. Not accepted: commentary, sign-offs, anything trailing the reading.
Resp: 8:38
